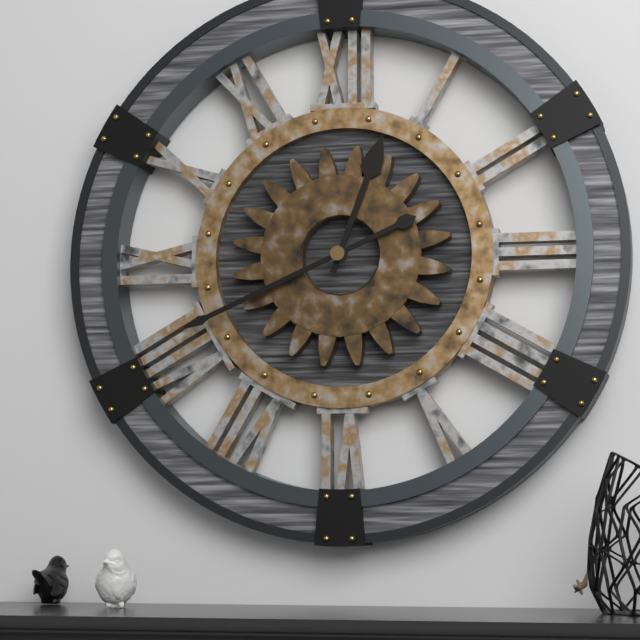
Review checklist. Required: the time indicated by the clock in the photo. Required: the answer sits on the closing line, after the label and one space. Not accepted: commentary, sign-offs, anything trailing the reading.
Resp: 12:41
